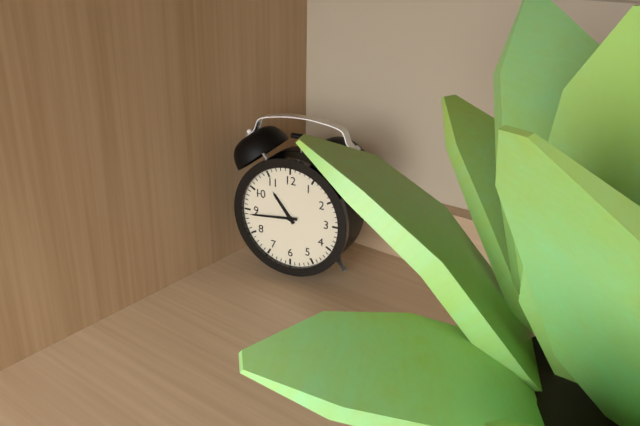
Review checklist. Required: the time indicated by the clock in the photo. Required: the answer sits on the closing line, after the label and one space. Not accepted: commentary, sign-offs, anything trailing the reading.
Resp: 10:44
